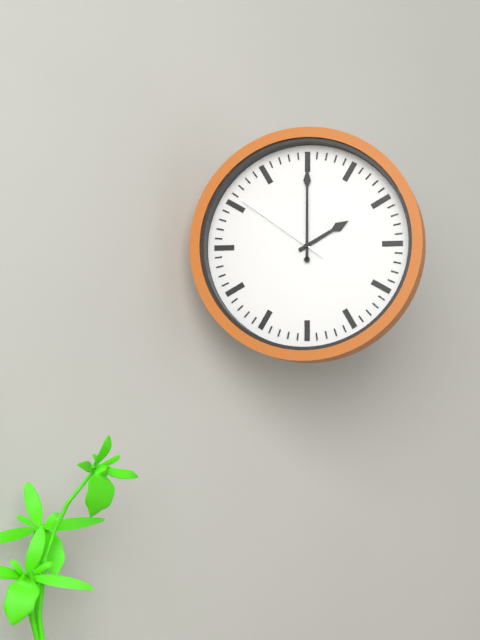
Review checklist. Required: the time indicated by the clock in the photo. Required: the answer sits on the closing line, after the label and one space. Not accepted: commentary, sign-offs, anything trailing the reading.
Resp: 2:00:51
